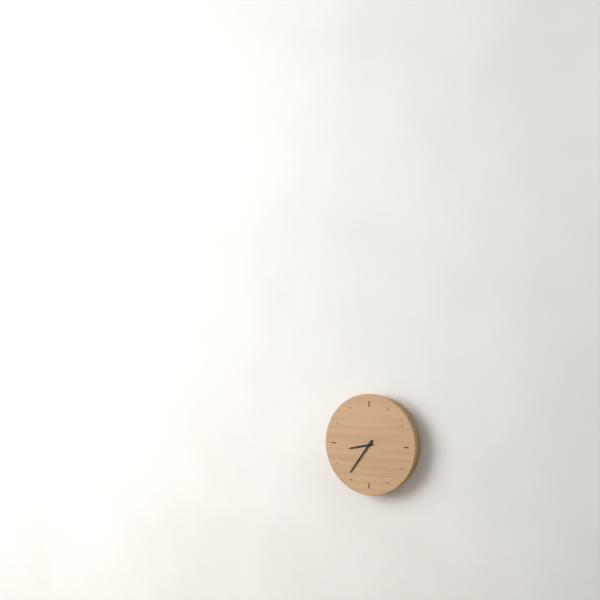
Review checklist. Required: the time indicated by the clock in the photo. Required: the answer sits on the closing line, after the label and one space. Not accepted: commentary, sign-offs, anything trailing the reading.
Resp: 8:36
